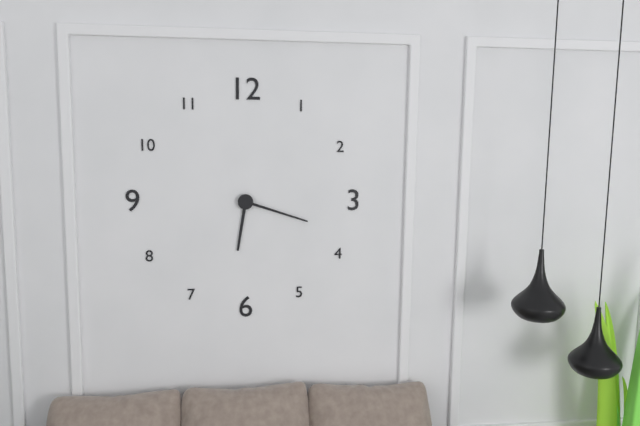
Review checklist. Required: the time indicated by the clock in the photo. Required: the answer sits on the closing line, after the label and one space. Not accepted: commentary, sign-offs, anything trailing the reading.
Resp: 6:18
